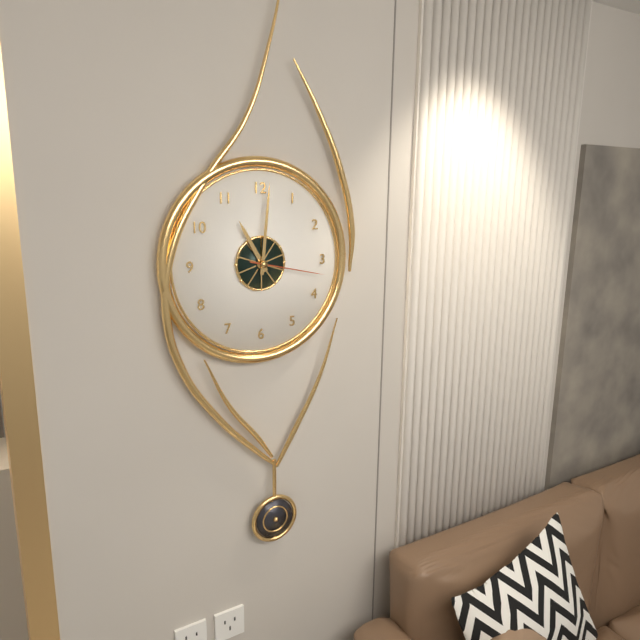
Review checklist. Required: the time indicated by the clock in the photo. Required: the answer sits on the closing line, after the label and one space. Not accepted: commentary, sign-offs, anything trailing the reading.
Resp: 11:01:17
